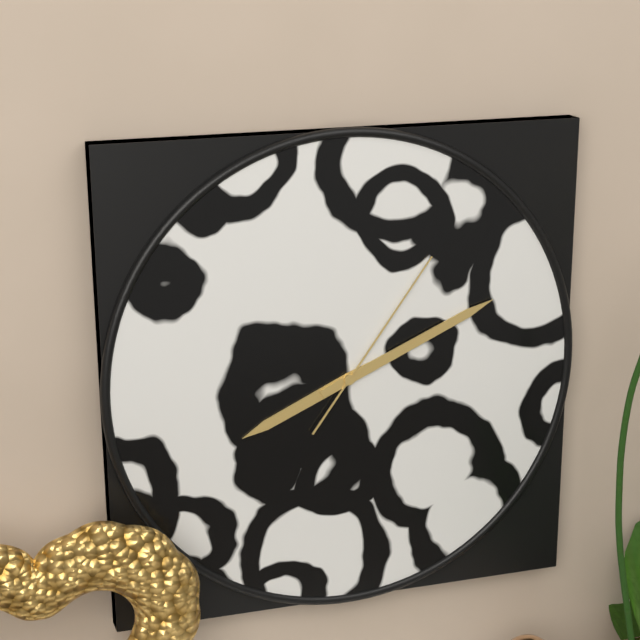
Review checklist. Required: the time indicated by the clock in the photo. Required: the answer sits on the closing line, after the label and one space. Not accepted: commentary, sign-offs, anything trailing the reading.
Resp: 8:11:06
